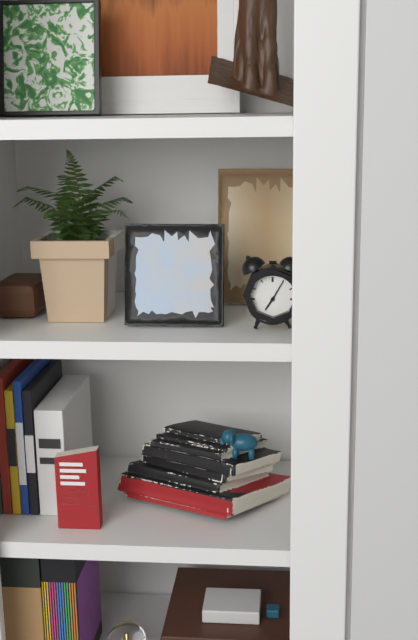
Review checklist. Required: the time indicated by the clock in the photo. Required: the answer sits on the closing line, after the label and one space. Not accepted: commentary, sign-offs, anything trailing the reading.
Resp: 7:05
